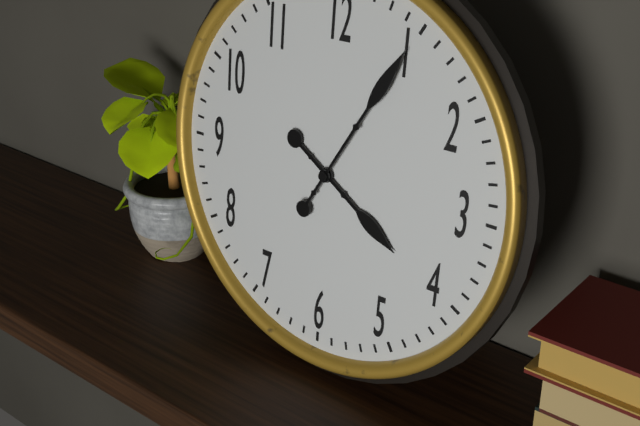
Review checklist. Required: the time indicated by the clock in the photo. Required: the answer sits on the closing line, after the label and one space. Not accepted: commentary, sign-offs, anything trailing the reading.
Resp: 4:05
